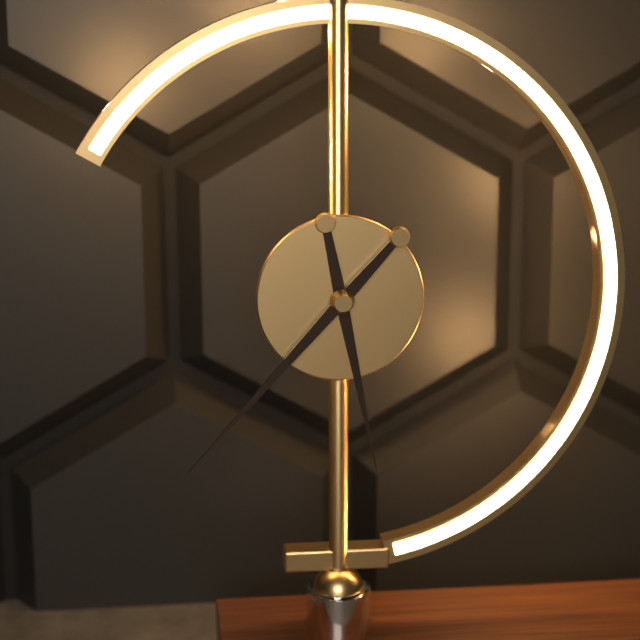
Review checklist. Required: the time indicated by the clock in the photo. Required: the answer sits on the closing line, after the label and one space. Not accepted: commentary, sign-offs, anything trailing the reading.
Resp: 5:37
